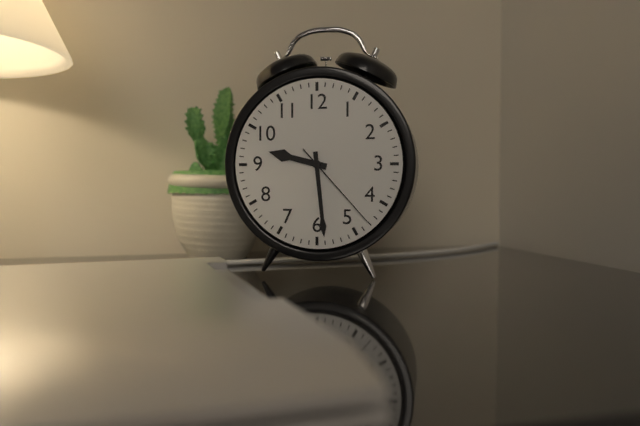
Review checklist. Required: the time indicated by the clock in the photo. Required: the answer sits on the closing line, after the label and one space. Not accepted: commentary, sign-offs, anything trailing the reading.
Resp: 9:29:23
